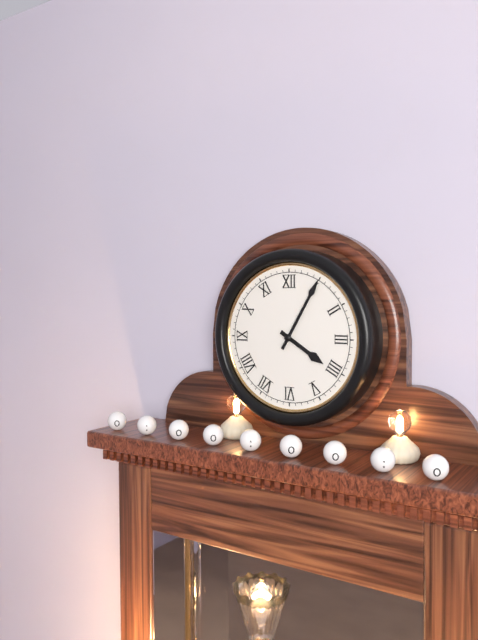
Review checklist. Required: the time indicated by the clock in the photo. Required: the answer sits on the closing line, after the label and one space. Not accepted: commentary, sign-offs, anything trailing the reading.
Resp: 4:05
